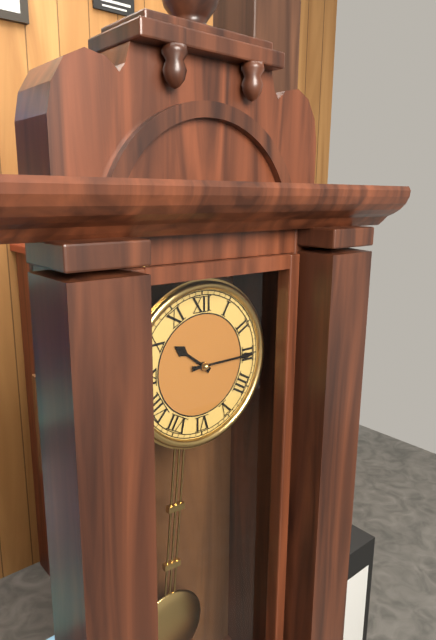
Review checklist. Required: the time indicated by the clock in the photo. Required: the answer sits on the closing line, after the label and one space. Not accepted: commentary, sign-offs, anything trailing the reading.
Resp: 10:15
